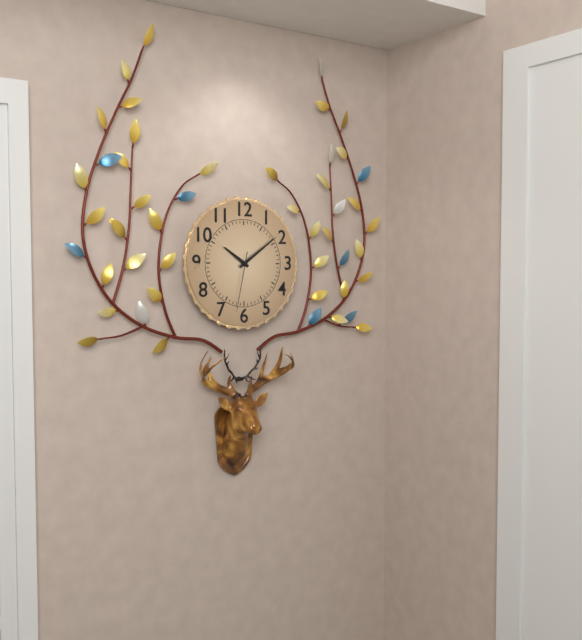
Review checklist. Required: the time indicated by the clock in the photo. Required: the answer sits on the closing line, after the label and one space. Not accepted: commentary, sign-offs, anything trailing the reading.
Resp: 10:09:32
